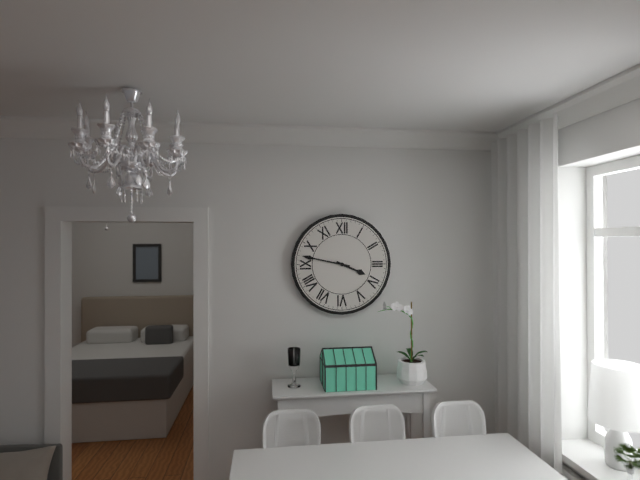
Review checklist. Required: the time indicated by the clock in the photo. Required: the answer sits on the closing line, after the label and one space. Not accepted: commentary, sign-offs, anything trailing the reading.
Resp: 3:47
